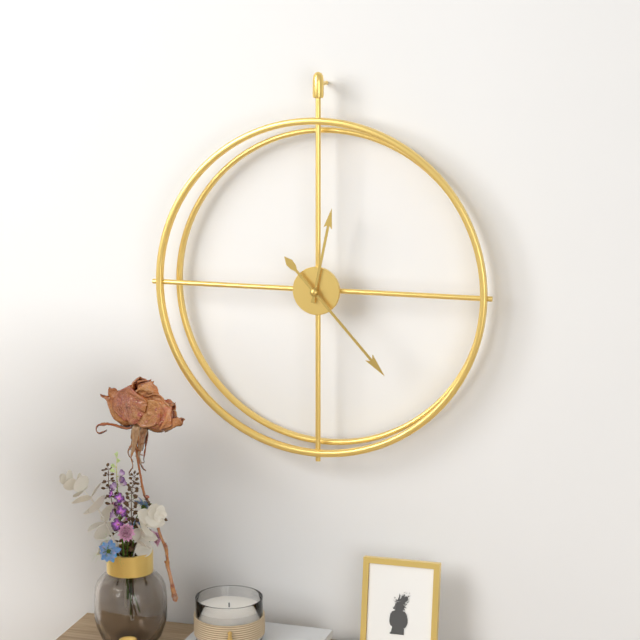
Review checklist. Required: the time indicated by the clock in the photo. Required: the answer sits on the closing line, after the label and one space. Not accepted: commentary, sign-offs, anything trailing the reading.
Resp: 12:23
